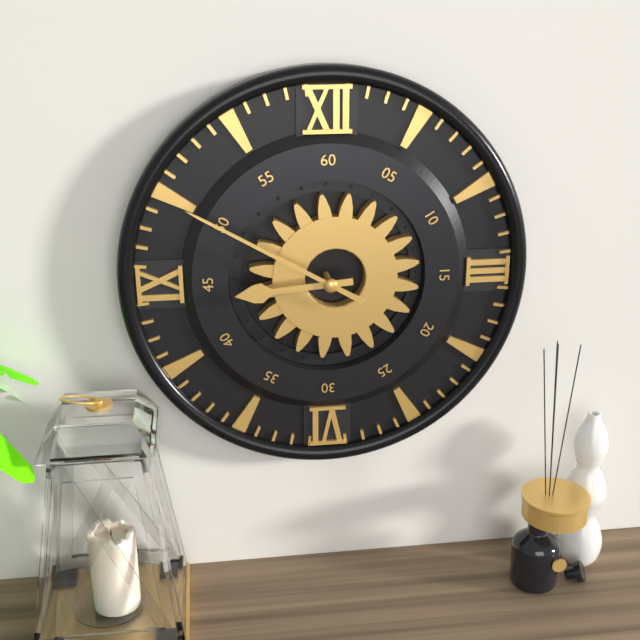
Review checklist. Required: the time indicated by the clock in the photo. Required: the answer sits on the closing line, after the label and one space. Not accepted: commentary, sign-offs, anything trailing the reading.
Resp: 8:50
